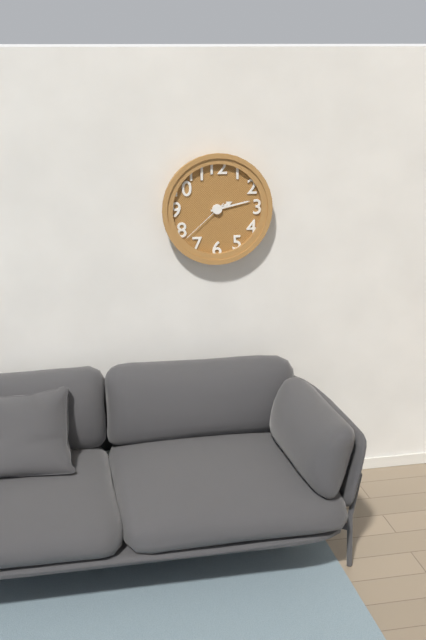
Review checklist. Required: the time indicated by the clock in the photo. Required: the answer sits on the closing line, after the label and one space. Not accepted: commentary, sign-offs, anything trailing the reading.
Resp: 2:13:38
